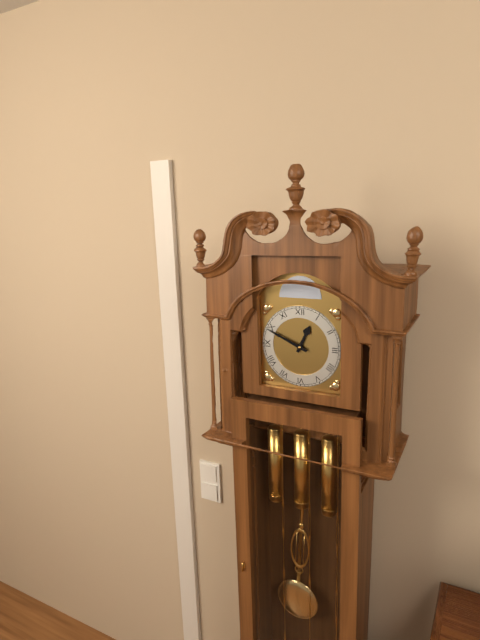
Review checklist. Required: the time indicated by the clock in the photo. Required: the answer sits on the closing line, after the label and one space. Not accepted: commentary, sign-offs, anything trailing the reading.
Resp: 12:49
